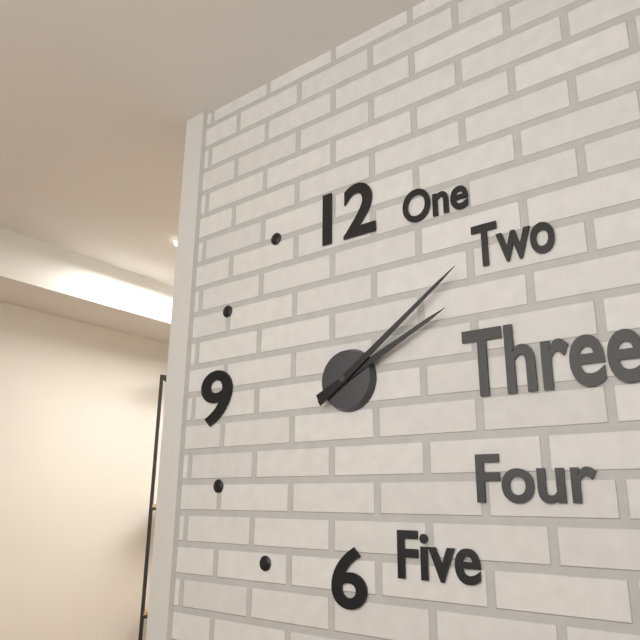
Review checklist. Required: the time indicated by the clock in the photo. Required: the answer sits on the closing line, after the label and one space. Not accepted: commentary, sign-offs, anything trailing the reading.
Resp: 2:09
